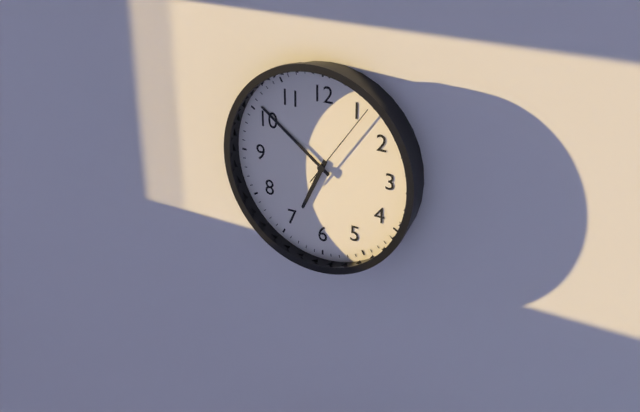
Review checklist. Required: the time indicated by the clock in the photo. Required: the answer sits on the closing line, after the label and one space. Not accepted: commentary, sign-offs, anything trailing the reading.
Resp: 6:51:06
